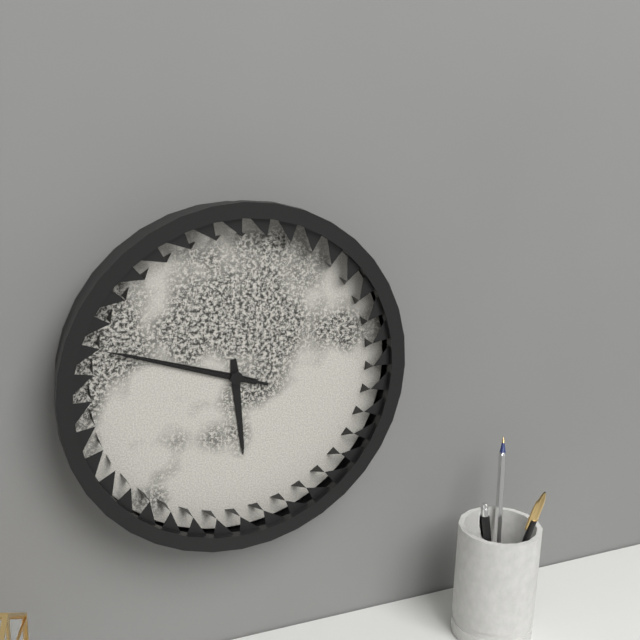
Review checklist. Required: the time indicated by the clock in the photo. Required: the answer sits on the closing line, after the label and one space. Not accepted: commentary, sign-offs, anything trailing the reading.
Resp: 5:48:48
